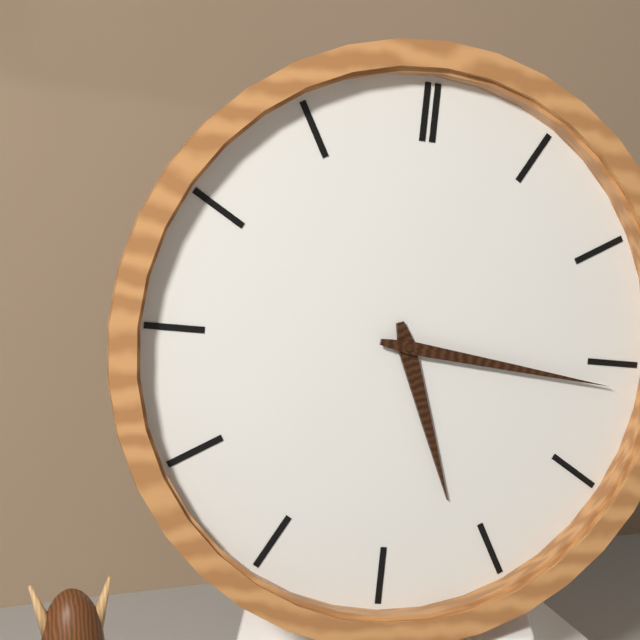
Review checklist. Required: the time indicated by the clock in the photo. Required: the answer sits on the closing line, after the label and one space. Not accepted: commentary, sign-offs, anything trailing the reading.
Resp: 5:16
